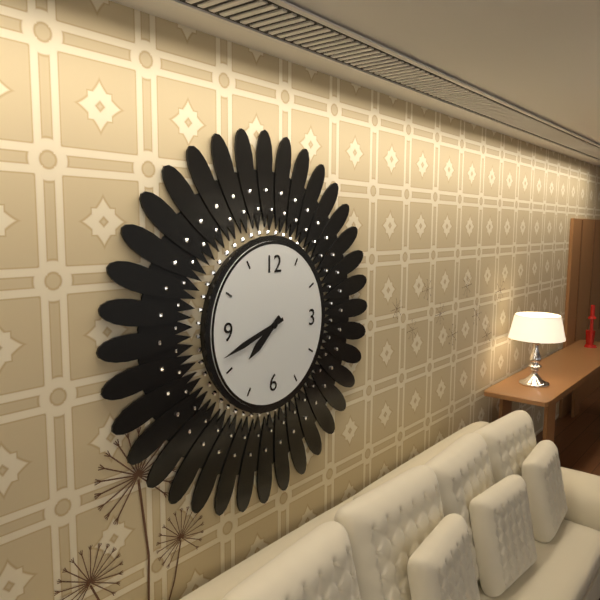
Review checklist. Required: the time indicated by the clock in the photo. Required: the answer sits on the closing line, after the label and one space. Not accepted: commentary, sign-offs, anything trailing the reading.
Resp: 7:42
